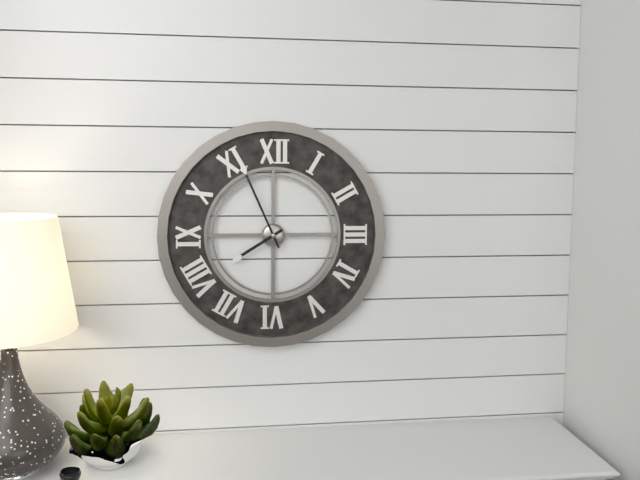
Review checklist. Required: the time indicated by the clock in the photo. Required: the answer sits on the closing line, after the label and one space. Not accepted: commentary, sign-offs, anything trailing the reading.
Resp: 7:56
